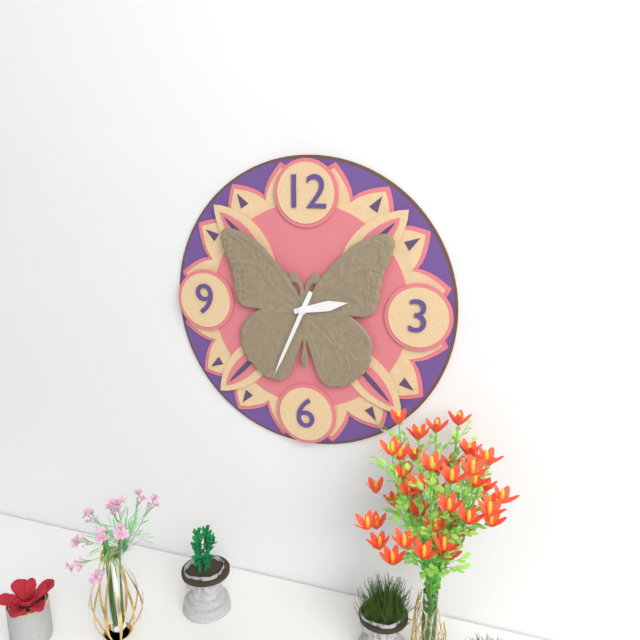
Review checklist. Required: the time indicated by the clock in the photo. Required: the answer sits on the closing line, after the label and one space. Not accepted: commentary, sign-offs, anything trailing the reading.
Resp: 2:34
